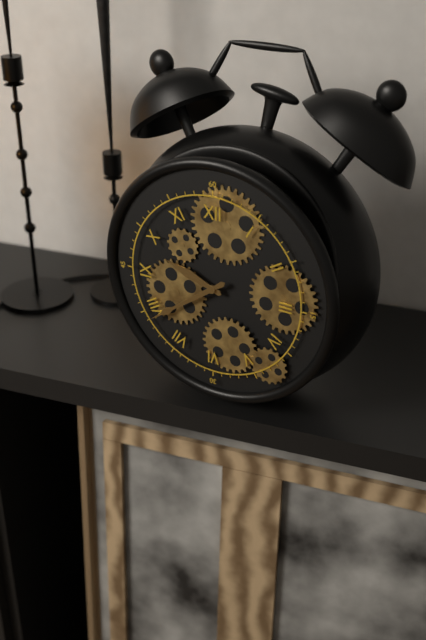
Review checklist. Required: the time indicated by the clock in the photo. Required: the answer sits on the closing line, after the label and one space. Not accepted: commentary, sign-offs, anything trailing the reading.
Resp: 9:39
